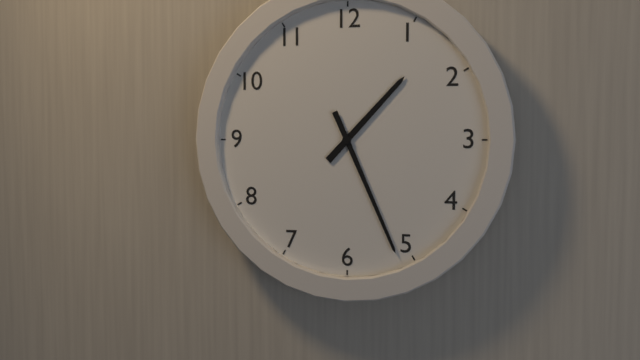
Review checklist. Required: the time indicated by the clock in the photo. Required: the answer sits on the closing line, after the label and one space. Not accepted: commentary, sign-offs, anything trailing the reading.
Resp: 1:26
